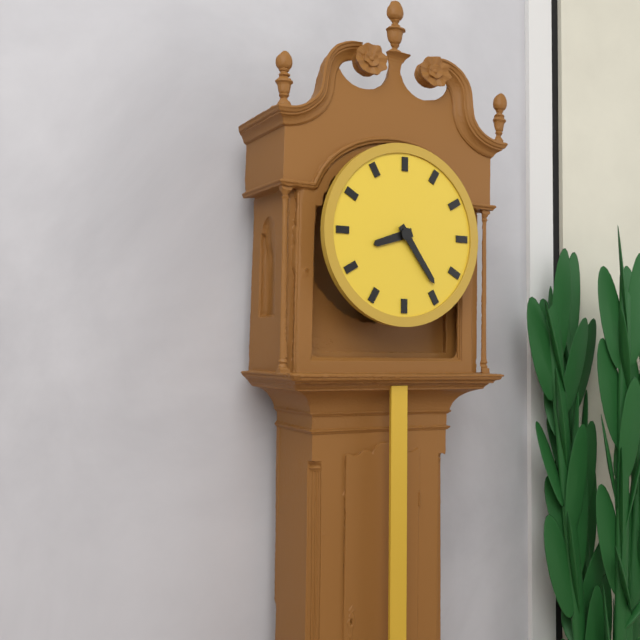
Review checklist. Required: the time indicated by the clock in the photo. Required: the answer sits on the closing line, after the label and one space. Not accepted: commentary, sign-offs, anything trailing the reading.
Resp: 8:24
